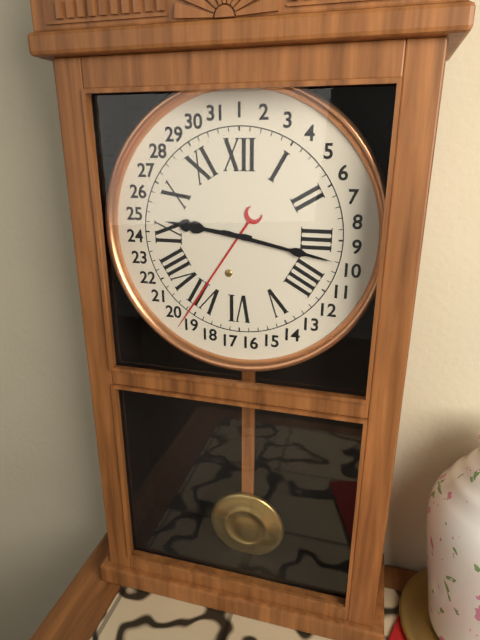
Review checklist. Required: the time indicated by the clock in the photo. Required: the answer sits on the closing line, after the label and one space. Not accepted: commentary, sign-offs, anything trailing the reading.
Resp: 9:17
